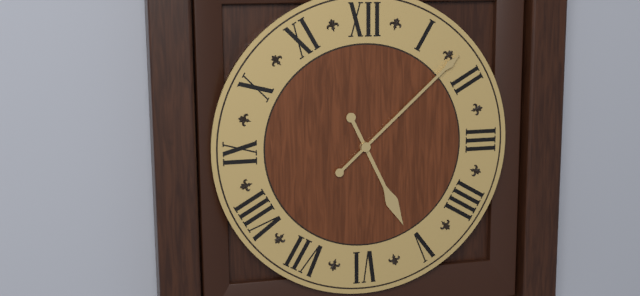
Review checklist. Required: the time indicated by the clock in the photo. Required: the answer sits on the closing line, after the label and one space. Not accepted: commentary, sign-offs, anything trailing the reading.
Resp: 5:08
